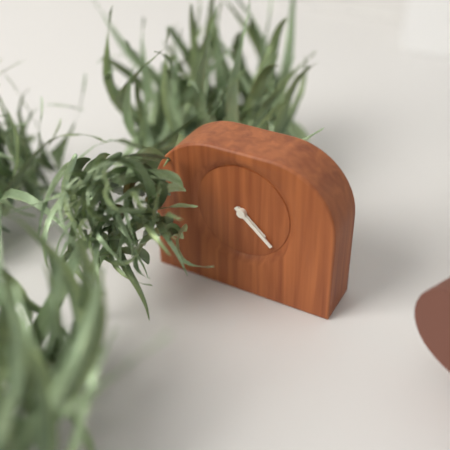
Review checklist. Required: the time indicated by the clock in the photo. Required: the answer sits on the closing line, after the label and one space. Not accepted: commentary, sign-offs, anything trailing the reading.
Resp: 4:22
